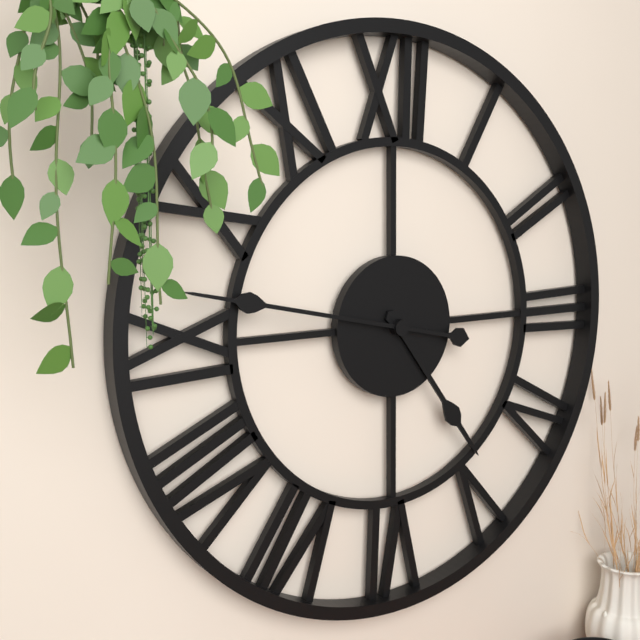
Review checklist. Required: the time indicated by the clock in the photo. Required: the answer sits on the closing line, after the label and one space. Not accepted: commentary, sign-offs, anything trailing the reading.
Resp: 4:47
